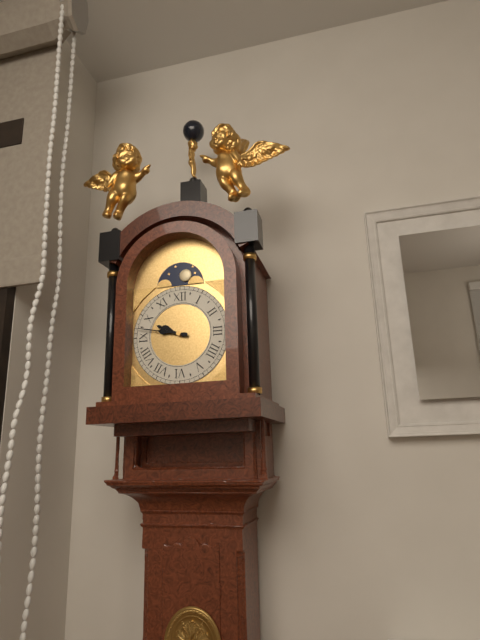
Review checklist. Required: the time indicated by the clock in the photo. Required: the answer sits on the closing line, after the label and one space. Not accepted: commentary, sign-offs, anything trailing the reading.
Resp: 9:47
